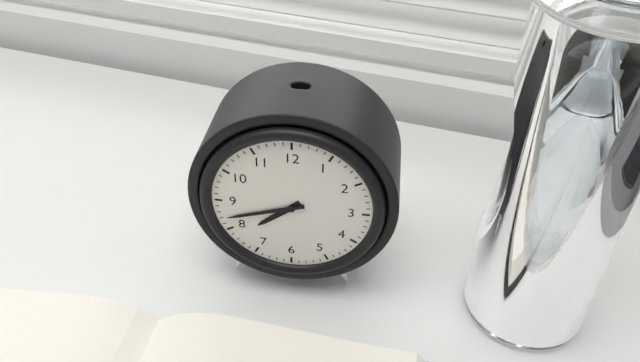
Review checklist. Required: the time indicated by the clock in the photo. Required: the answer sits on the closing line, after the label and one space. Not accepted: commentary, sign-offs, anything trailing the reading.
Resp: 7:42
